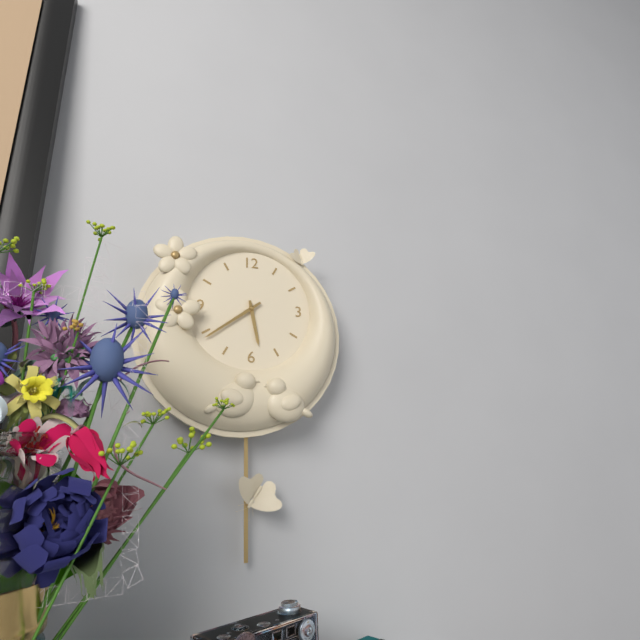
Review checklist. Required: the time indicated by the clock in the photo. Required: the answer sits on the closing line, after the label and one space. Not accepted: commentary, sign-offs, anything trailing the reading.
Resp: 5:39
